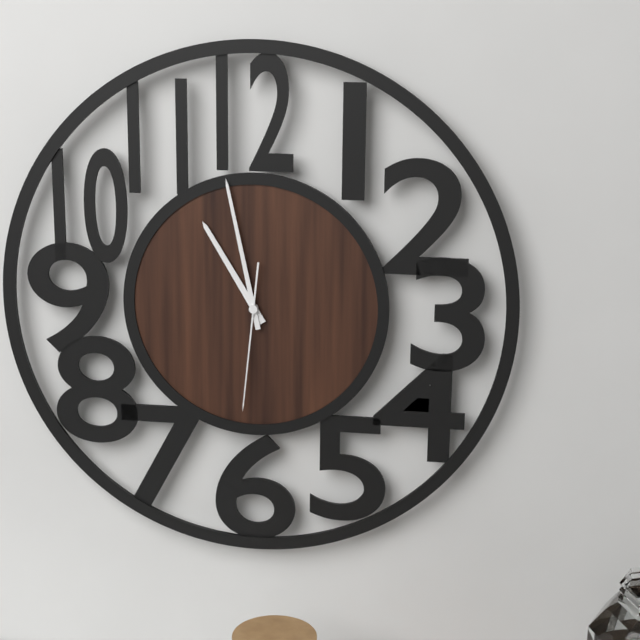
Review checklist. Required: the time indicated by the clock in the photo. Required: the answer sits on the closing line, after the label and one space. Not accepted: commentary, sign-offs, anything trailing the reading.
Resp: 10:58:31
